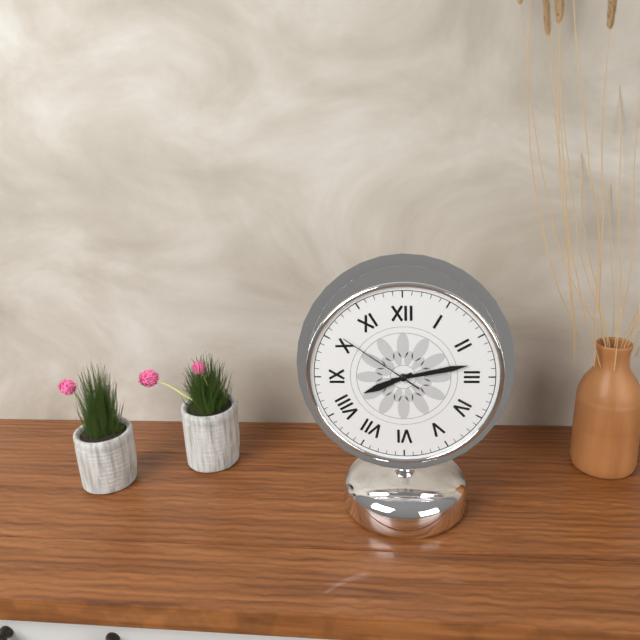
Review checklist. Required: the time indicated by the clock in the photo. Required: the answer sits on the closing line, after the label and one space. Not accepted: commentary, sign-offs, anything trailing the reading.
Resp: 8:13:51
